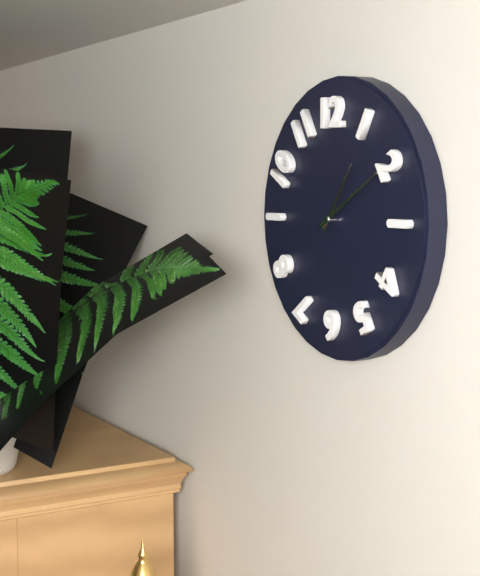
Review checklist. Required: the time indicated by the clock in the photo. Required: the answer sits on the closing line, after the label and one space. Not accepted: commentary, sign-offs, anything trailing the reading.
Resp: 1:10
